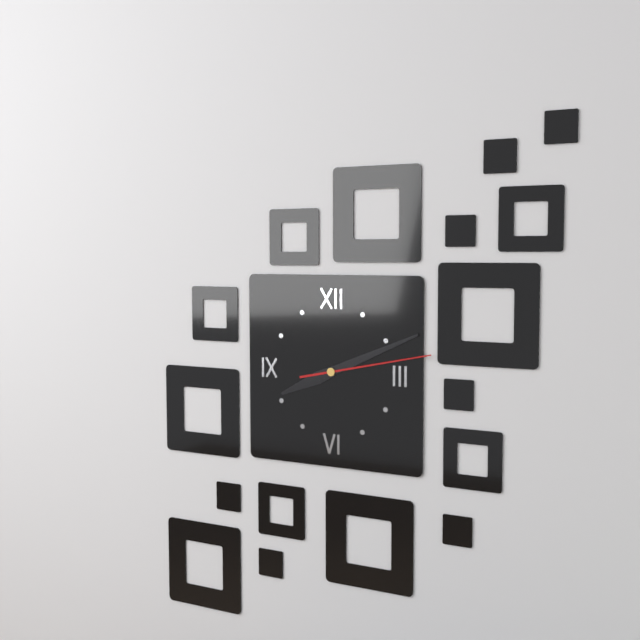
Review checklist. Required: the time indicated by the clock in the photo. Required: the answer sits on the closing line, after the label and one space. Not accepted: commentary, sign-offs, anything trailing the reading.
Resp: 8:11:13
